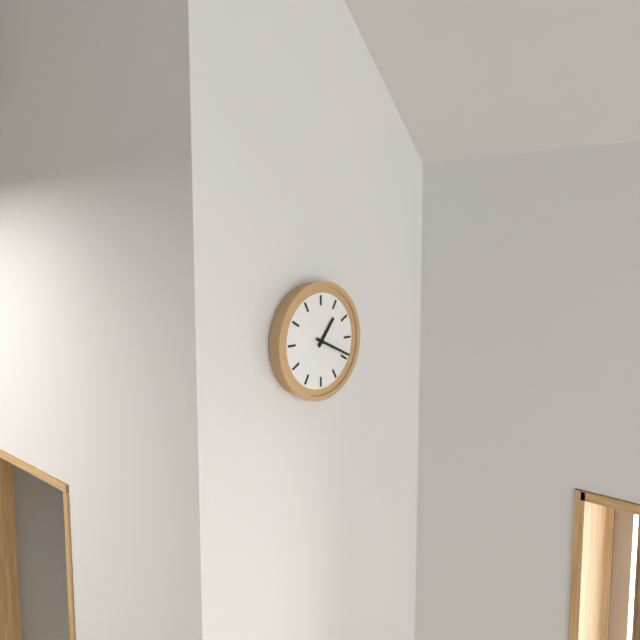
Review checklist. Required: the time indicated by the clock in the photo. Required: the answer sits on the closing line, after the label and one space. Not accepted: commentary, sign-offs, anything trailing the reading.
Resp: 1:19
